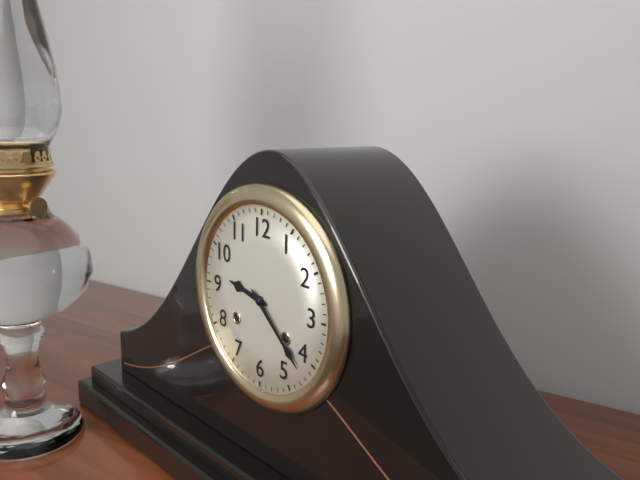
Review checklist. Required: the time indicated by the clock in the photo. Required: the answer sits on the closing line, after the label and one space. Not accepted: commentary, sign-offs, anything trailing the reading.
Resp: 9:22
